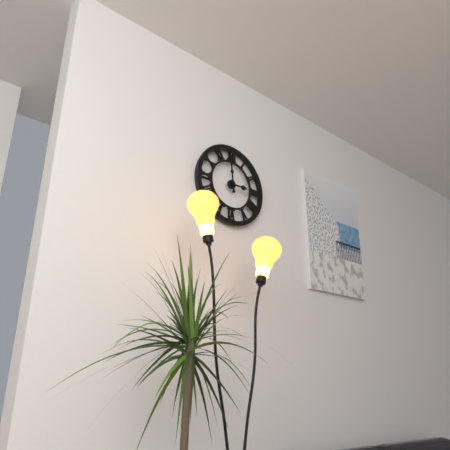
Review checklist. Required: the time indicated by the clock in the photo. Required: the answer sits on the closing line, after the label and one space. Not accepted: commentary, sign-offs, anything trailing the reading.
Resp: 2:59
